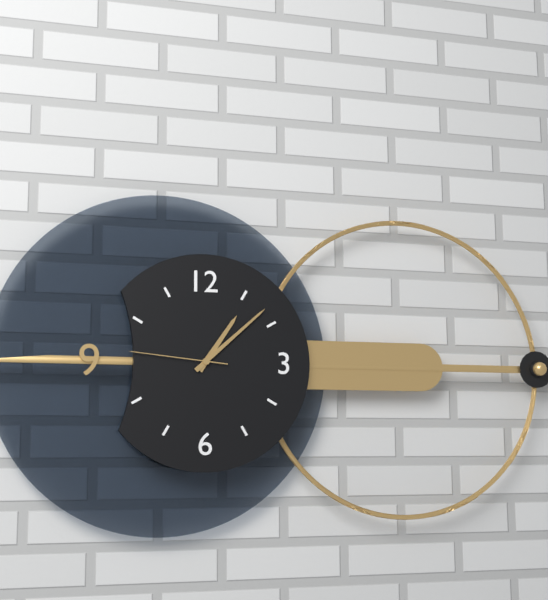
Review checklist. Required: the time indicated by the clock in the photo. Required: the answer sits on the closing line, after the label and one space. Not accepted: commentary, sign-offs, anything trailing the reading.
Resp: 1:08:46
